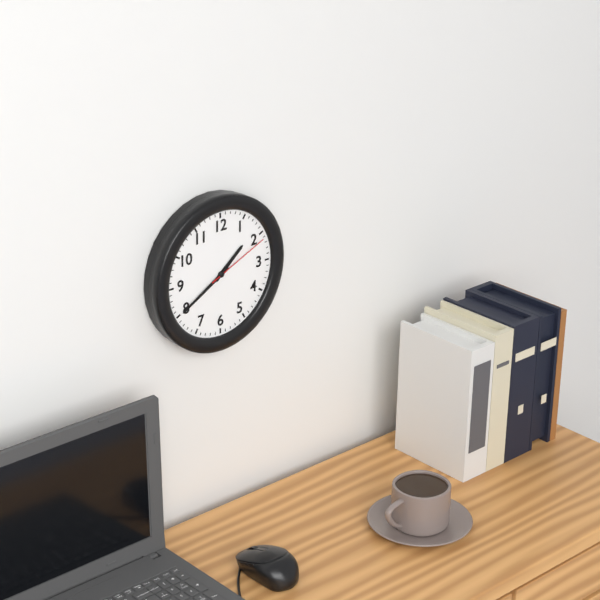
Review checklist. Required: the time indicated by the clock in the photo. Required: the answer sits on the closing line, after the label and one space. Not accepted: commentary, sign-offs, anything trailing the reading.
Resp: 1:40:11
